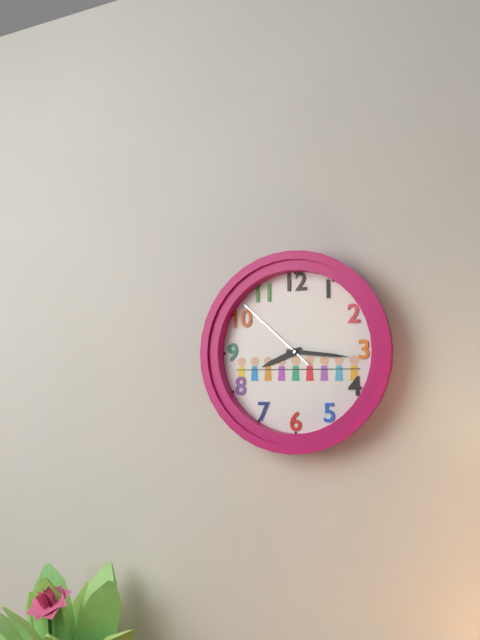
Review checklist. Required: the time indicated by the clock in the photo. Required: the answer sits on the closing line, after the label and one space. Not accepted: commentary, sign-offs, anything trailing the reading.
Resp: 8:16:52
